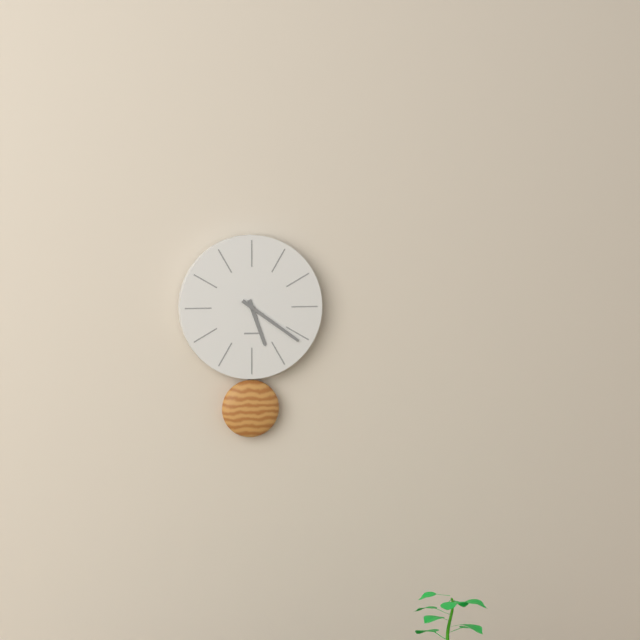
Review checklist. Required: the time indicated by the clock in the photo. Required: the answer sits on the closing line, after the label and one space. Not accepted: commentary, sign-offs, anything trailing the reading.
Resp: 5:21
